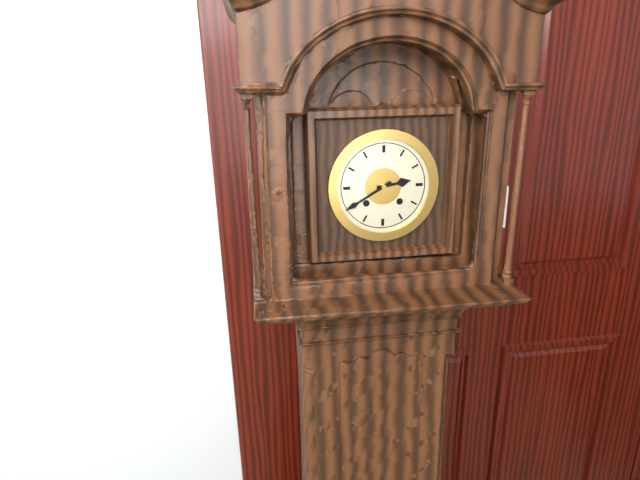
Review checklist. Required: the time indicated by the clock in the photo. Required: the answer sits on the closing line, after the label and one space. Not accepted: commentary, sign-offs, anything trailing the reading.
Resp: 2:40
